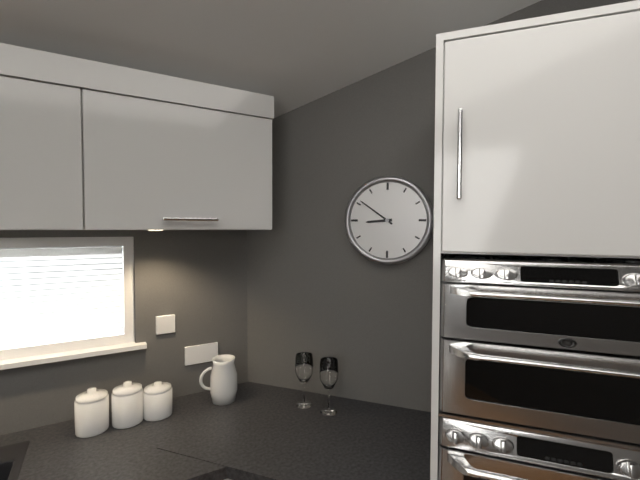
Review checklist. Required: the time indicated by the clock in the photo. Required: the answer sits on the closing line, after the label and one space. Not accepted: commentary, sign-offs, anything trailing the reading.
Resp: 8:51
